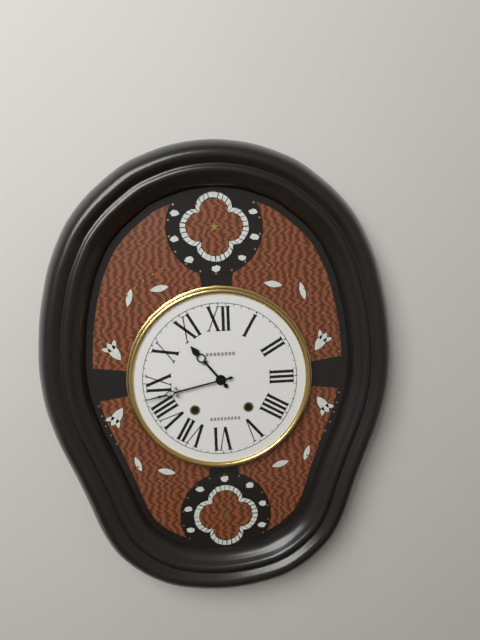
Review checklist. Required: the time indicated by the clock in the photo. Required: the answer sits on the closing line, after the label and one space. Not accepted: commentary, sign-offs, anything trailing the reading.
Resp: 10:43
